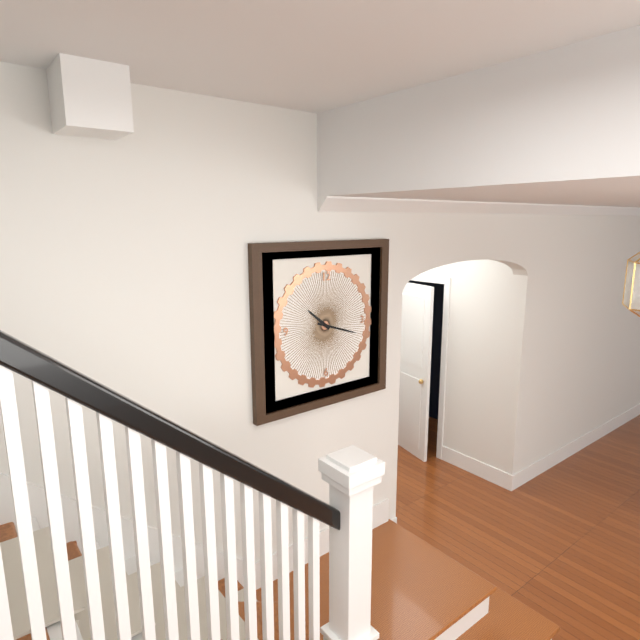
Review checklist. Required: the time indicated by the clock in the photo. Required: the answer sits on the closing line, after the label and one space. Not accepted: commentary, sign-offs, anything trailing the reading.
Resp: 10:18
